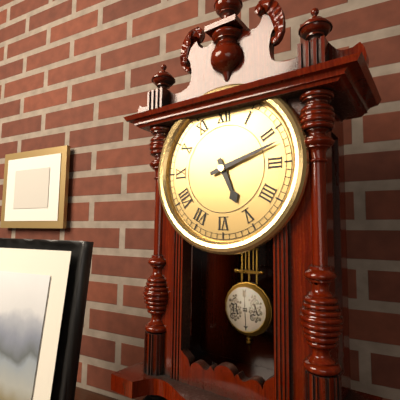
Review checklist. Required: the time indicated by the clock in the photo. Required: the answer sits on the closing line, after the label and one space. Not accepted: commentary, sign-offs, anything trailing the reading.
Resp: 5:12
